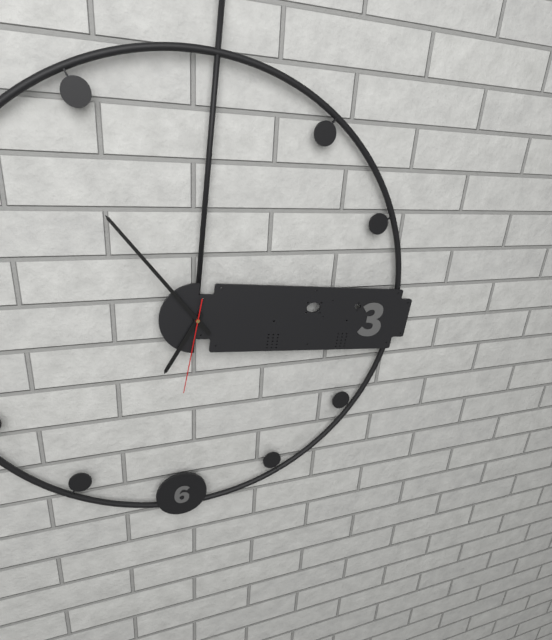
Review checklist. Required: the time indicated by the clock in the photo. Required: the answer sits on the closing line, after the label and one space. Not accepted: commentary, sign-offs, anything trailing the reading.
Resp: 6:53:31
